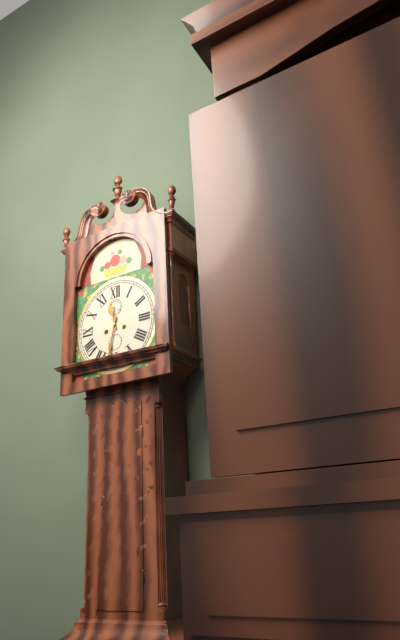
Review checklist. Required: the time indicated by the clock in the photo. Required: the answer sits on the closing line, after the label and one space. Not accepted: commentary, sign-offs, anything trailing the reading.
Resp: 11:32
